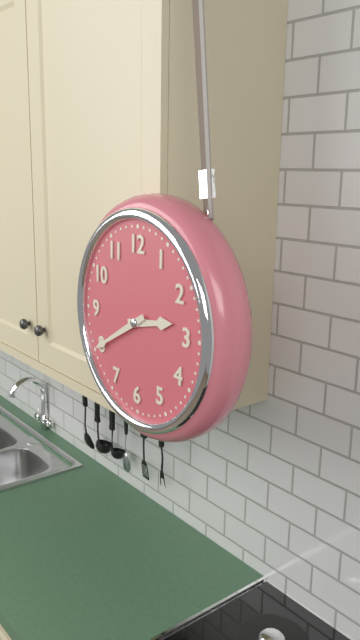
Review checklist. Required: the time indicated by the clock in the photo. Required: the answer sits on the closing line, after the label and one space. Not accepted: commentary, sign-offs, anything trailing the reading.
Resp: 2:40
